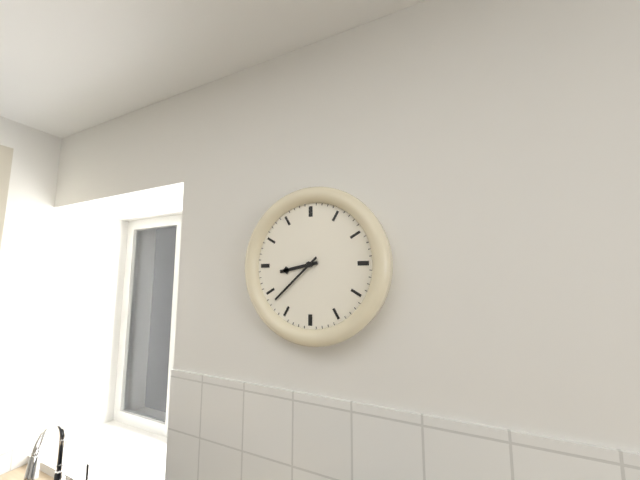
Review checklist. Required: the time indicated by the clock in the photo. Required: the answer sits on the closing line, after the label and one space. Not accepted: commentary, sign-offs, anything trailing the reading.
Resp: 8:38
